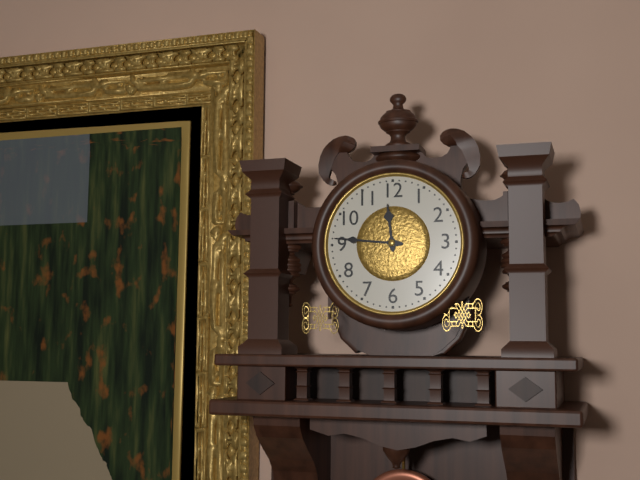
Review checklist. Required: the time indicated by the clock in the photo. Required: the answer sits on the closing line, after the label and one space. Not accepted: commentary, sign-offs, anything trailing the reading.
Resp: 11:46
